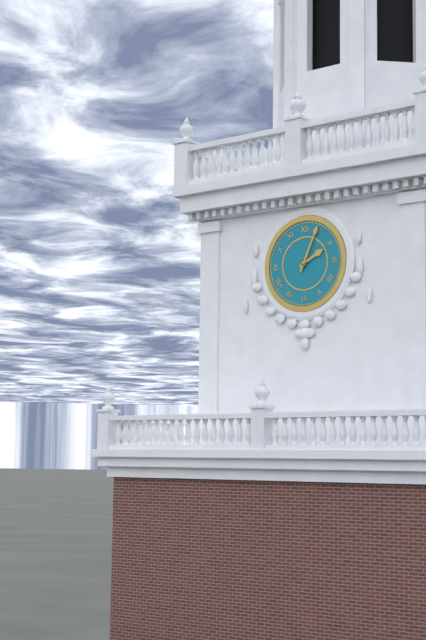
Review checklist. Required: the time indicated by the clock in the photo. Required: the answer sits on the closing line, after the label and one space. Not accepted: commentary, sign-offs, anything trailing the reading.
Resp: 2:04
